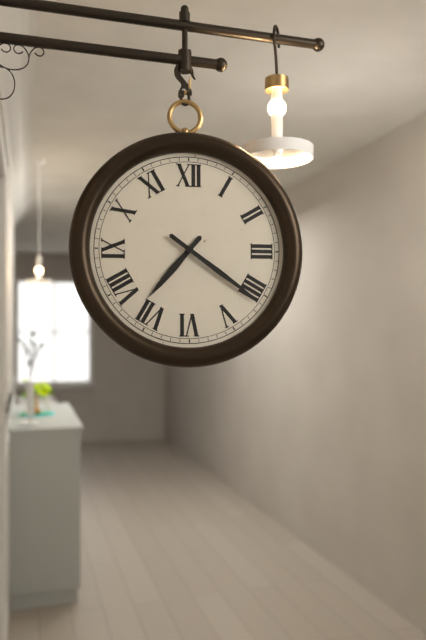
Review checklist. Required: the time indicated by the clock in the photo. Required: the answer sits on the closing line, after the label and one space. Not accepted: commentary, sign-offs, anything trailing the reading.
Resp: 7:21
